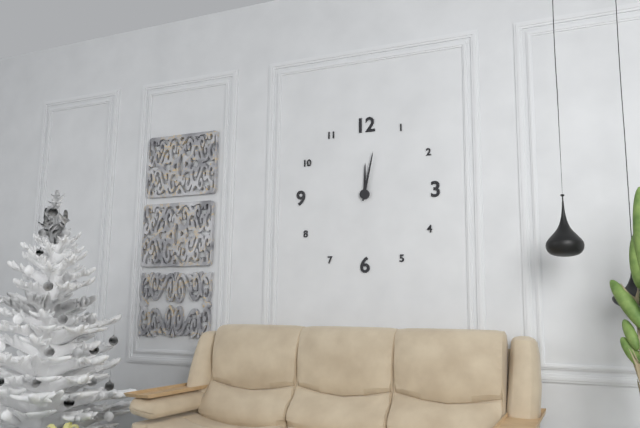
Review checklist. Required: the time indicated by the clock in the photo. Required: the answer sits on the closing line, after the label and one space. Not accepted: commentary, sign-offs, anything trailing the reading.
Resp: 12:02
